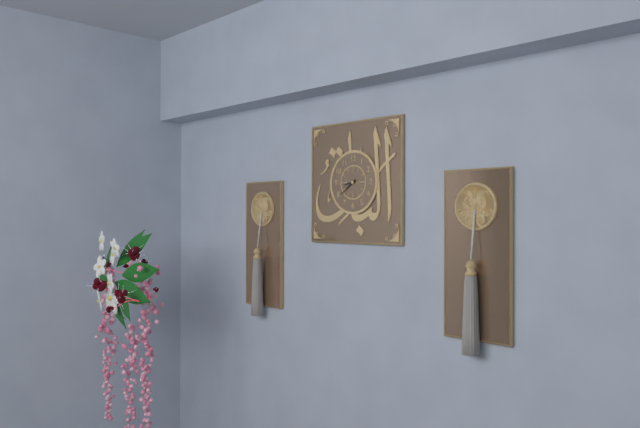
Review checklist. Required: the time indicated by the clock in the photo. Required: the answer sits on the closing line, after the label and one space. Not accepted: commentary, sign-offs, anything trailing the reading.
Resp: 8:39
